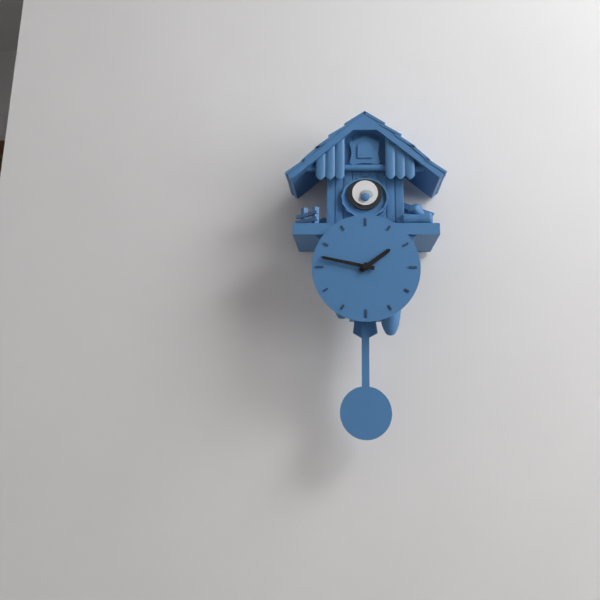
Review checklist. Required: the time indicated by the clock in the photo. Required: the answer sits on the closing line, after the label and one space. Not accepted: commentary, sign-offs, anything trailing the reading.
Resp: 1:47
